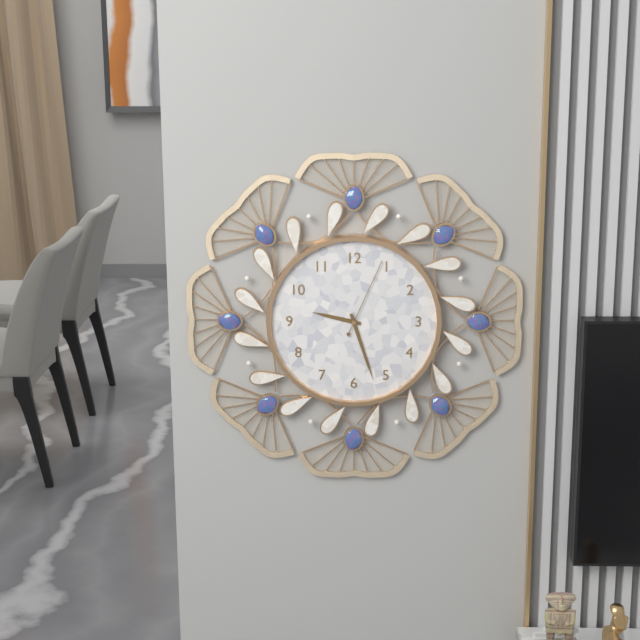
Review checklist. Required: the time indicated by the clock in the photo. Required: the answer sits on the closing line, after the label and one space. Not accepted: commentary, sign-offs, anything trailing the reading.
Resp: 9:27:04
